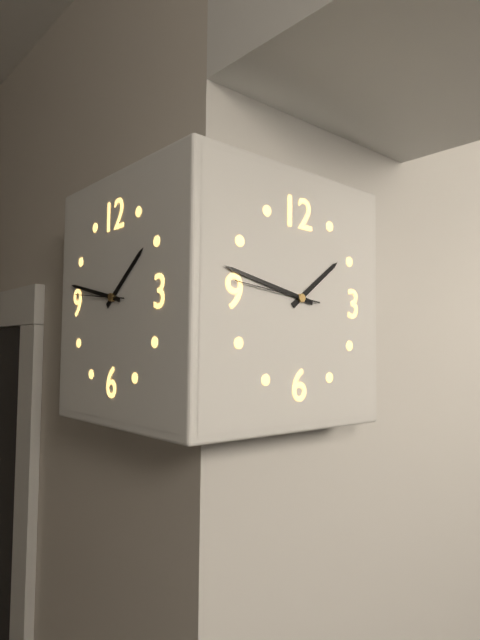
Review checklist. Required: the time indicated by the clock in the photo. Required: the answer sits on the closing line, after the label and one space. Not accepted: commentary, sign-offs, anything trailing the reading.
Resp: 1:47:46
